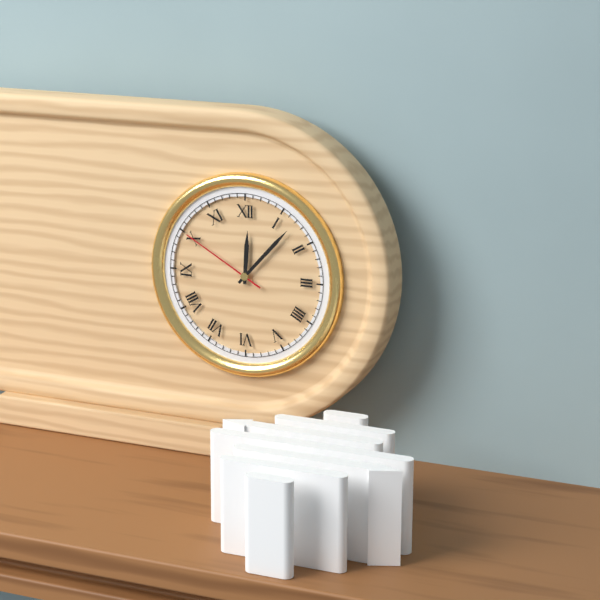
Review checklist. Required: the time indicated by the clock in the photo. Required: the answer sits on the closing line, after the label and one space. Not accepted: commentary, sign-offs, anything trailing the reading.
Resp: 12:07:50
